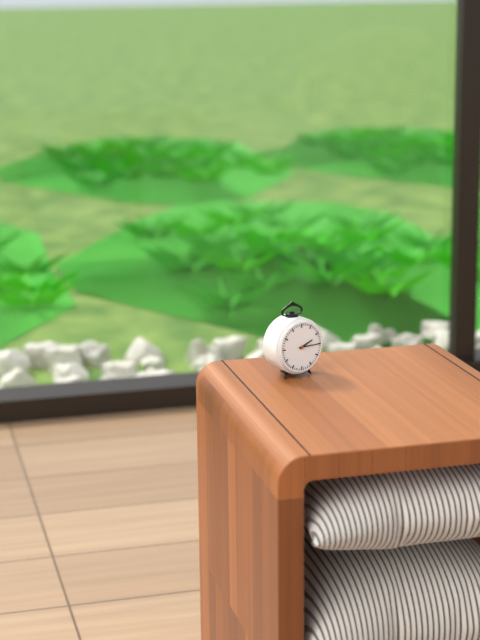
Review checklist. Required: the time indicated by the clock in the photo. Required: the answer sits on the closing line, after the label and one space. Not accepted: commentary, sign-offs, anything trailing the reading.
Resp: 2:15
